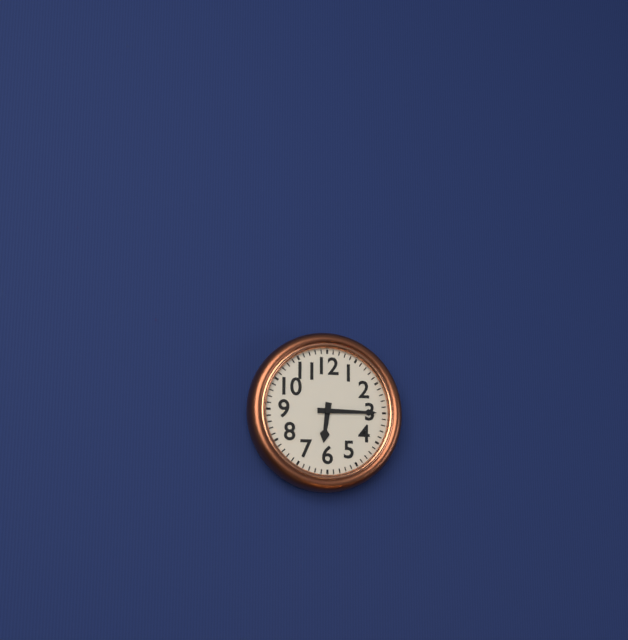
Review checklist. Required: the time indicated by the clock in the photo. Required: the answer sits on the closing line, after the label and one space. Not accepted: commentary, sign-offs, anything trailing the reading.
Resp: 6:15
